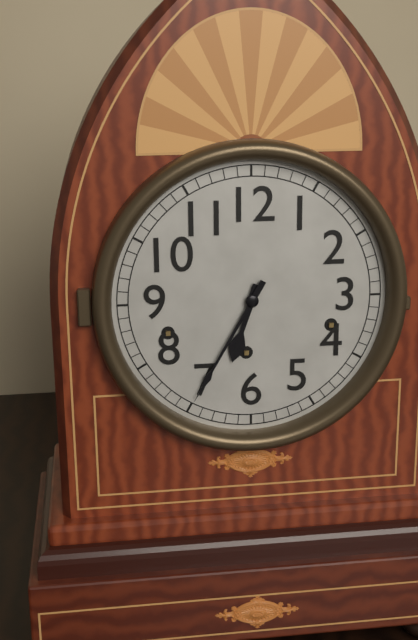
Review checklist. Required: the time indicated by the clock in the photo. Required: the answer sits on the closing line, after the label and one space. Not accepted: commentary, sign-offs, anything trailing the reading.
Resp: 6:35
